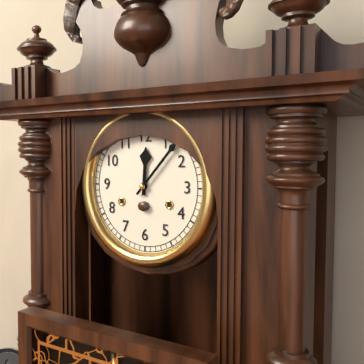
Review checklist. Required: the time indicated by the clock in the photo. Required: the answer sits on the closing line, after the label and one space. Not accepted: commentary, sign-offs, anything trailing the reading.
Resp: 12:07
